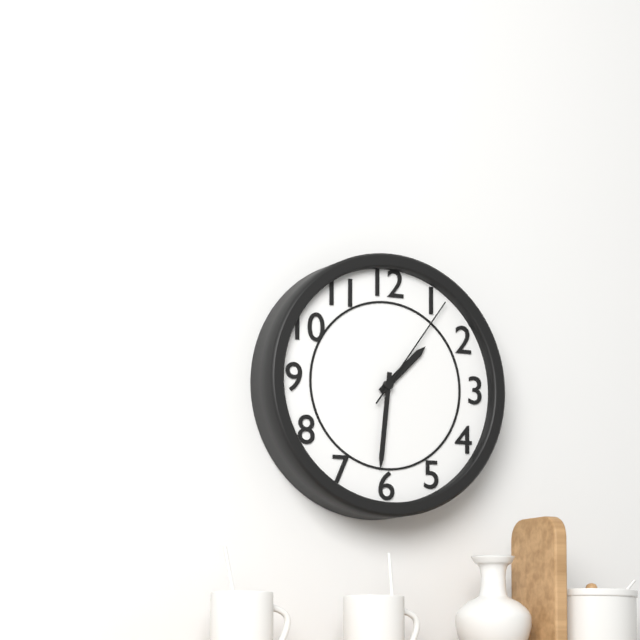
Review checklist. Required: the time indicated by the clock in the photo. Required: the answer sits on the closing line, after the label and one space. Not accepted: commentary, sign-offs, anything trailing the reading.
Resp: 1:31:06
